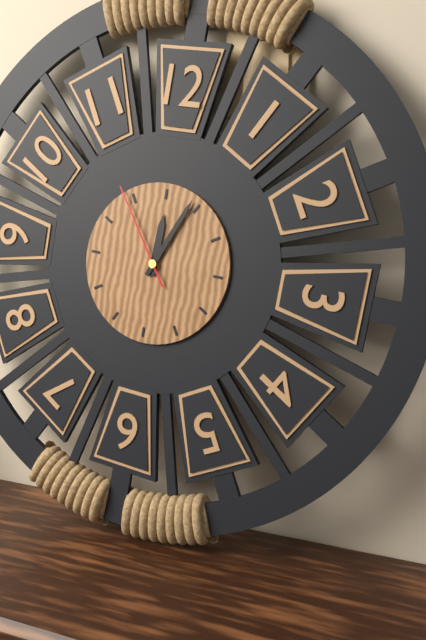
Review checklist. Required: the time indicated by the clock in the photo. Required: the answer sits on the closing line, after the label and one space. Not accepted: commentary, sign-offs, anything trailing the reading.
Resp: 12:04:54
